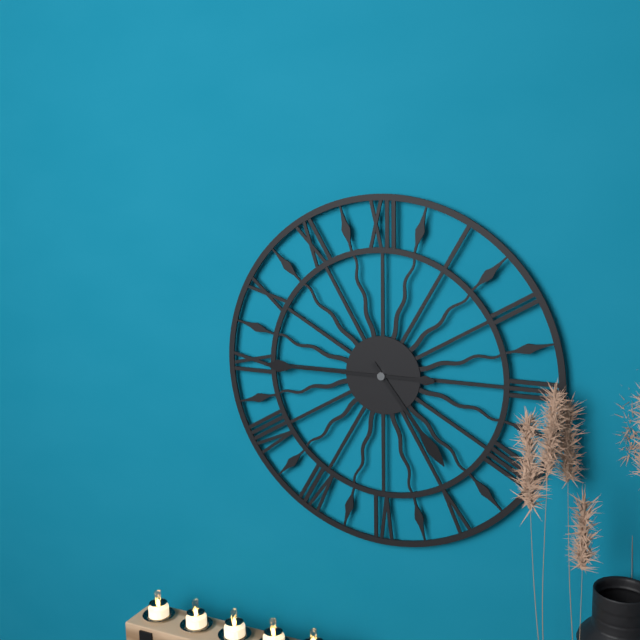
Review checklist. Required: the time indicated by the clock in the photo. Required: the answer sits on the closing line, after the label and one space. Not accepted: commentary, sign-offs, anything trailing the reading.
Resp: 4:45
